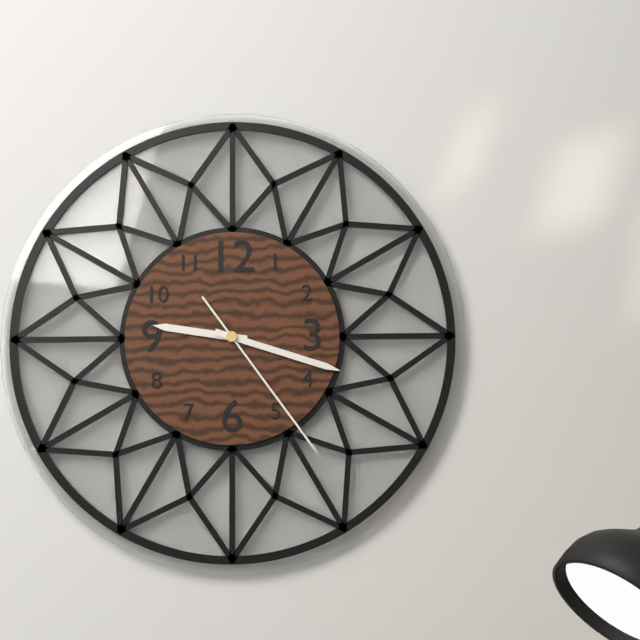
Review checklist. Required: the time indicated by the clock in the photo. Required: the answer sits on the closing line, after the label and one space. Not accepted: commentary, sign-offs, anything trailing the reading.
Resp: 9:18:24
